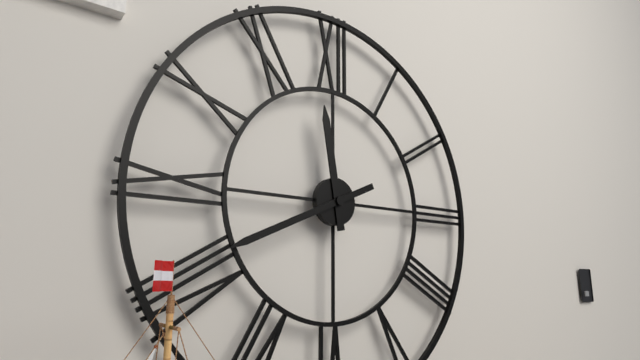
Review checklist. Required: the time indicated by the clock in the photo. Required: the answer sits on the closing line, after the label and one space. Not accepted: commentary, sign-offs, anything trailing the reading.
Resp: 11:41
